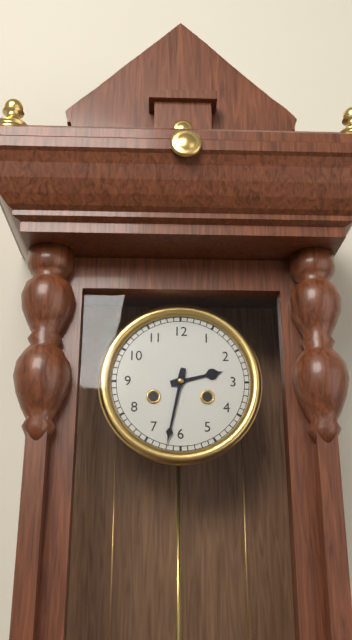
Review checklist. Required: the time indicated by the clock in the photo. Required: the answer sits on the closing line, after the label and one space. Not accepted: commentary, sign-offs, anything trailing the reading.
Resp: 2:32
